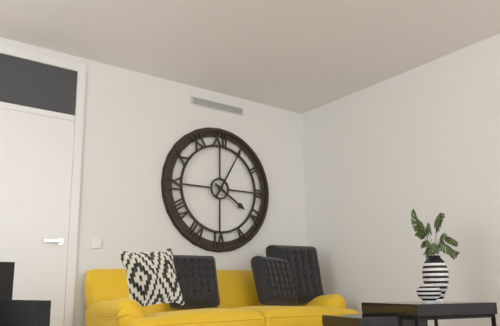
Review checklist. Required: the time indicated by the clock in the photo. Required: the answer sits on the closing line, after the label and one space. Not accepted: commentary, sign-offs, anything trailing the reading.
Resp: 4:05
